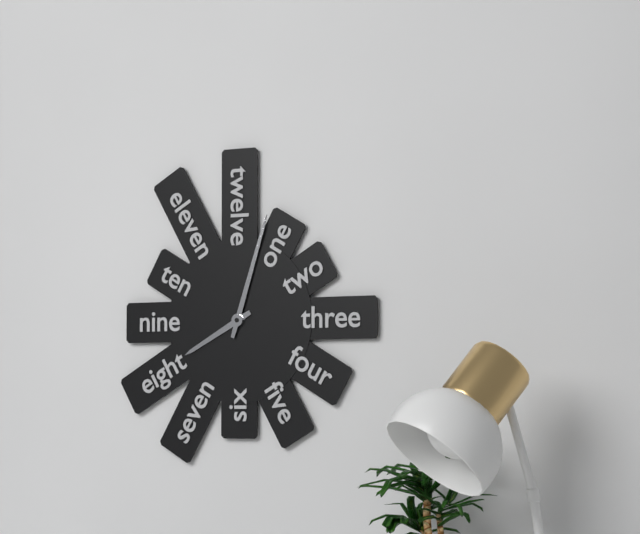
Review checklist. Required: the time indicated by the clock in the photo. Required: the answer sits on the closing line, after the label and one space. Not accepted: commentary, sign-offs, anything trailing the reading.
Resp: 8:03
